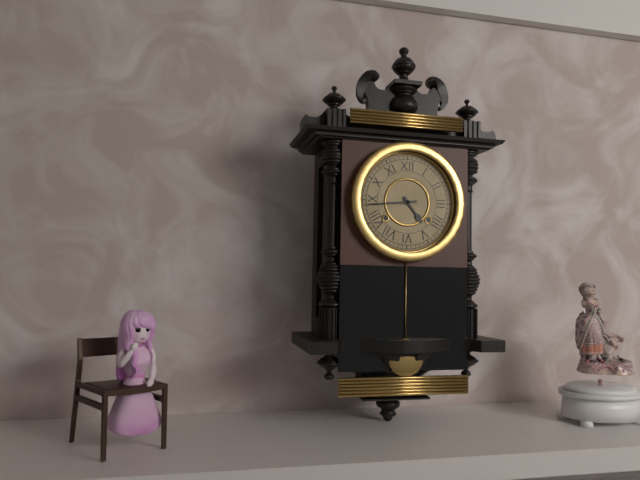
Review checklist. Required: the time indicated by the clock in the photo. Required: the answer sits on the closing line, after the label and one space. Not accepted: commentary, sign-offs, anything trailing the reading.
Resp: 4:44
